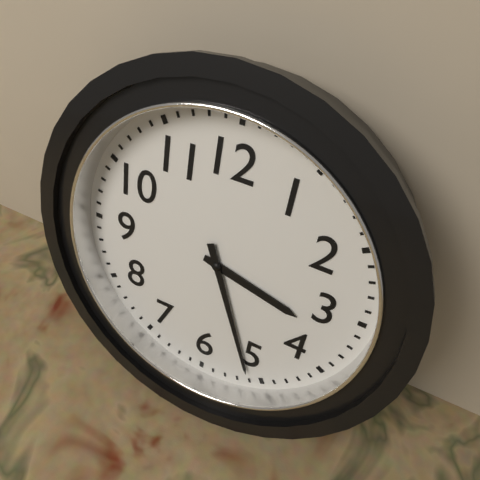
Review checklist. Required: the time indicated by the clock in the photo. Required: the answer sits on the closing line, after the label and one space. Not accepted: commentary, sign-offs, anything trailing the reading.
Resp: 3:26
